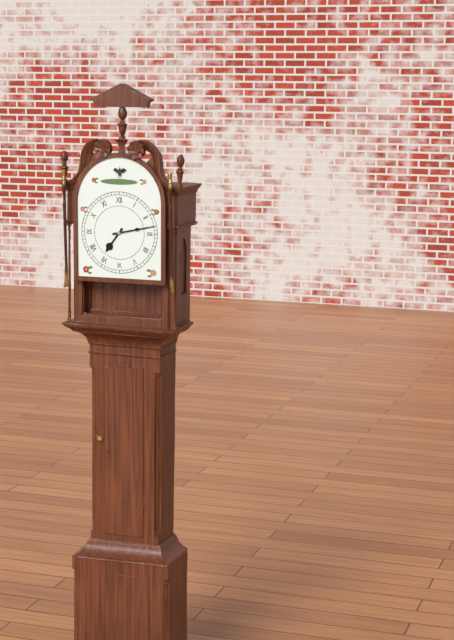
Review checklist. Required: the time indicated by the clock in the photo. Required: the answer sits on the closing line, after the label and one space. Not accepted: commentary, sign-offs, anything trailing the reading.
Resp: 7:13
